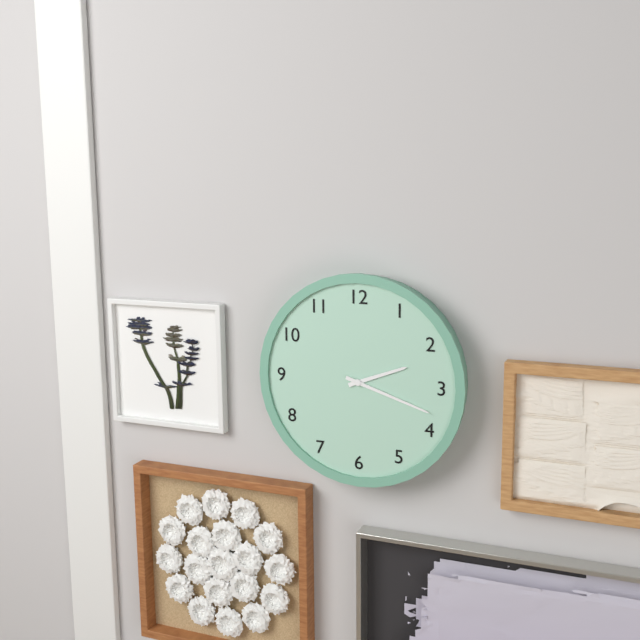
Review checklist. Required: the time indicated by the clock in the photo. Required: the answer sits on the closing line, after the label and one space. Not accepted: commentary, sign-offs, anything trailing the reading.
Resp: 2:18
